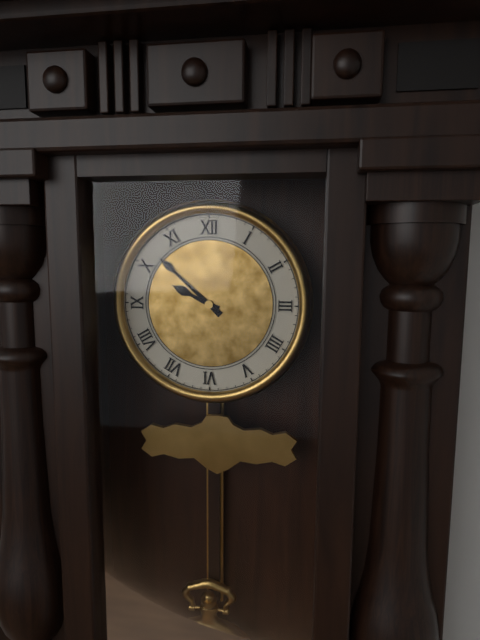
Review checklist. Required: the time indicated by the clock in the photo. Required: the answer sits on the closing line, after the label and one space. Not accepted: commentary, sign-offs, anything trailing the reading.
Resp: 9:52
